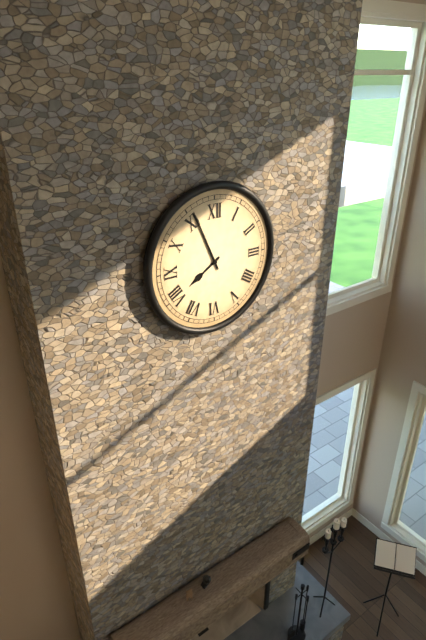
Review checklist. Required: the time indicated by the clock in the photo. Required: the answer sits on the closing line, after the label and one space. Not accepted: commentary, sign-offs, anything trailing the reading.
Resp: 7:56
